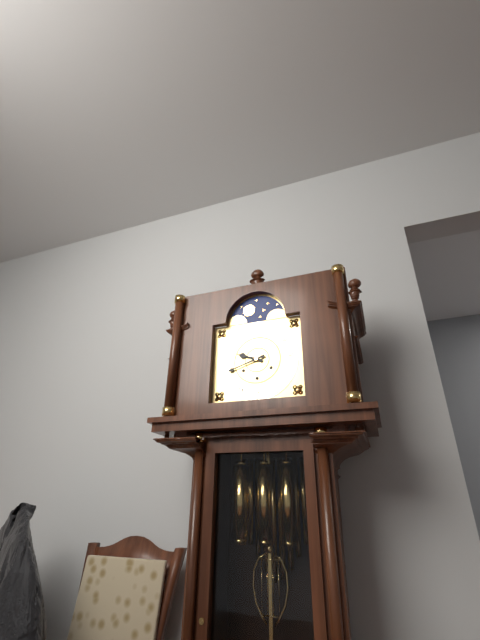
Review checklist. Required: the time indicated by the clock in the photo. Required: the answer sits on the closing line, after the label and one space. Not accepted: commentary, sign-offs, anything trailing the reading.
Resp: 9:42
